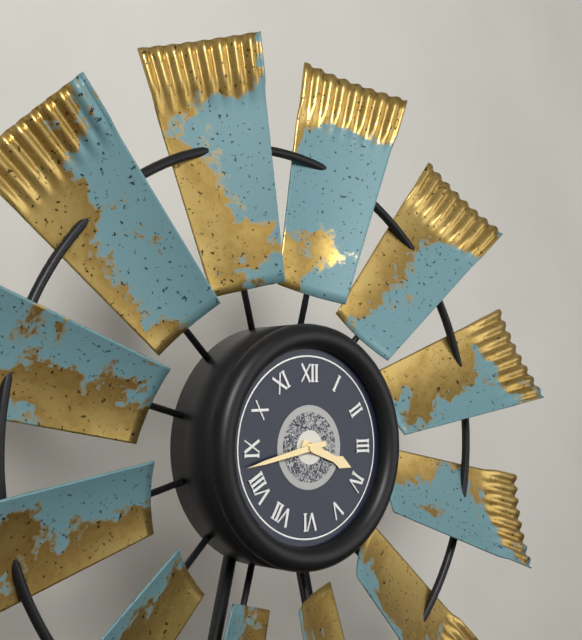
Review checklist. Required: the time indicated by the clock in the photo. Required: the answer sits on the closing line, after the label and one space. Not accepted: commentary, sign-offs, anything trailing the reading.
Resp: 3:43
